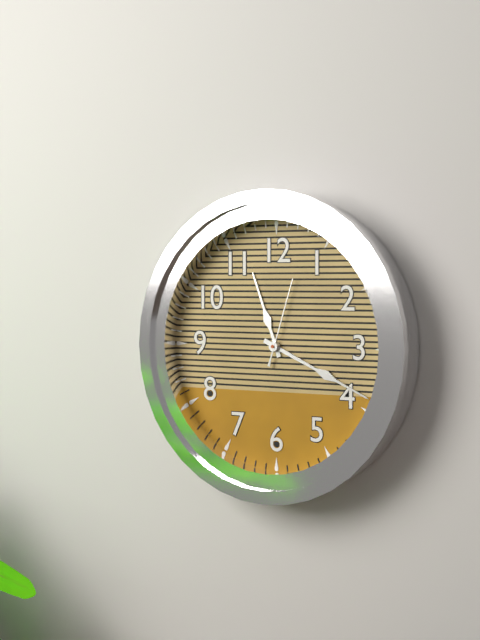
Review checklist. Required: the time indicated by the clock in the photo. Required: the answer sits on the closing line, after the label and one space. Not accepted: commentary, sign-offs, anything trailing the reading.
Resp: 11:19:03
